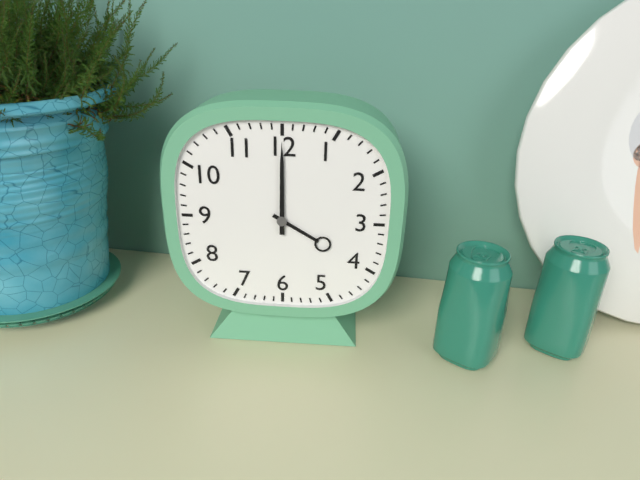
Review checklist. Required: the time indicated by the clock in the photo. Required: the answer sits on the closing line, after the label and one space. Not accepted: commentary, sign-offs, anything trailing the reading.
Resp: 4:00
